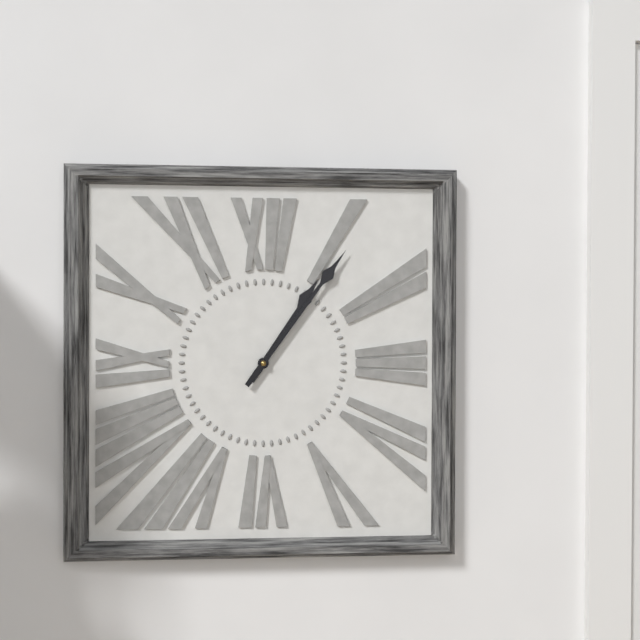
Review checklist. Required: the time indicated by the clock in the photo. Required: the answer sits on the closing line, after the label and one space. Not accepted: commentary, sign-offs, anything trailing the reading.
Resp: 1:06
